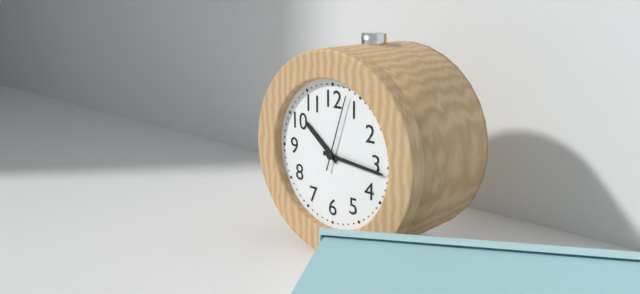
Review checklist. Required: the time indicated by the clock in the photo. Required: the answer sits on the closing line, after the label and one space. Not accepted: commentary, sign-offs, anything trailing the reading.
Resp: 10:16:03
